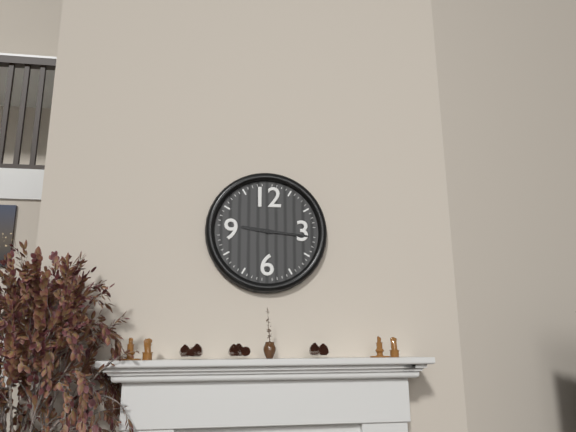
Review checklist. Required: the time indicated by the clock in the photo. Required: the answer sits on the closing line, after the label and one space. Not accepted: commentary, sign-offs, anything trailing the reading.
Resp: 9:16
